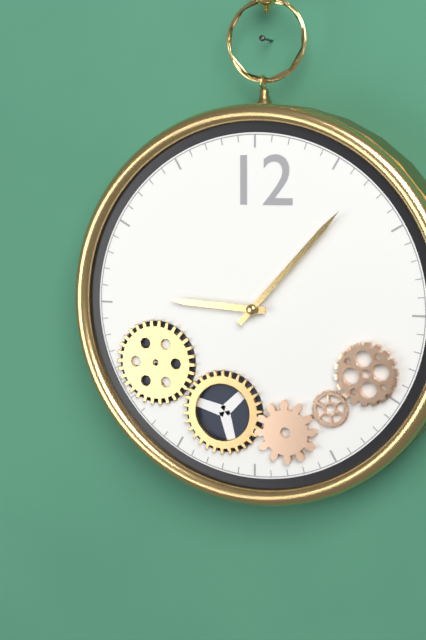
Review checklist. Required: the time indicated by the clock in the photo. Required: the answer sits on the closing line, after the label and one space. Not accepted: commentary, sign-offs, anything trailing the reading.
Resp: 9:07
